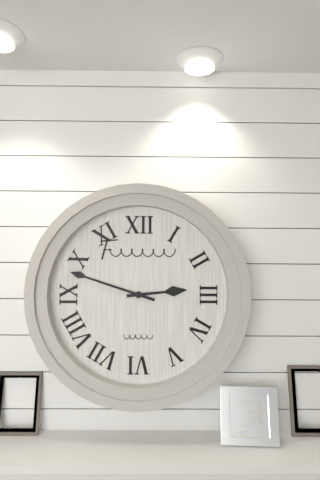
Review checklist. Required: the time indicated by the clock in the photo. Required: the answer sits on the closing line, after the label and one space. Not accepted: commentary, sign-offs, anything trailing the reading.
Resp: 2:48
